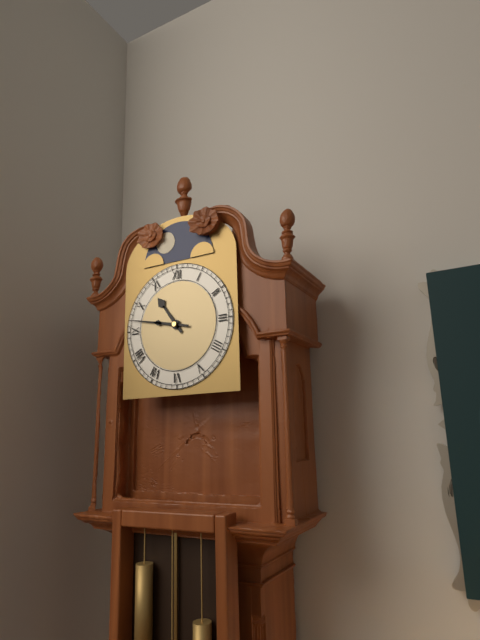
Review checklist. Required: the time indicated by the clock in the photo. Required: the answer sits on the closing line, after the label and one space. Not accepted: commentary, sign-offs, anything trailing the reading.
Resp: 10:47
